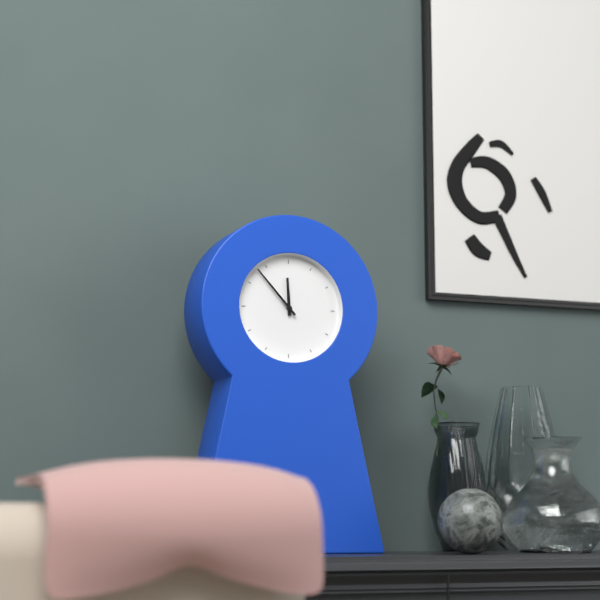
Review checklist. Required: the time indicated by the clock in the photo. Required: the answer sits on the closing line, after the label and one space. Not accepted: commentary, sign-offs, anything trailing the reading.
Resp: 11:53
